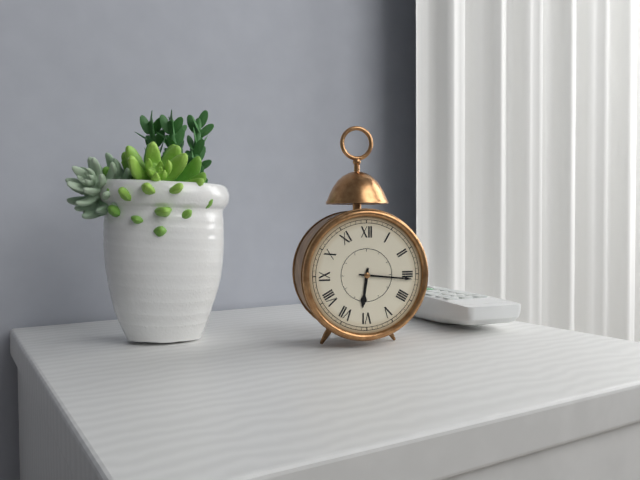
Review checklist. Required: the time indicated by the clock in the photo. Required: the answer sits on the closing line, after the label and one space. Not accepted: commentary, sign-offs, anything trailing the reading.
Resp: 6:16
